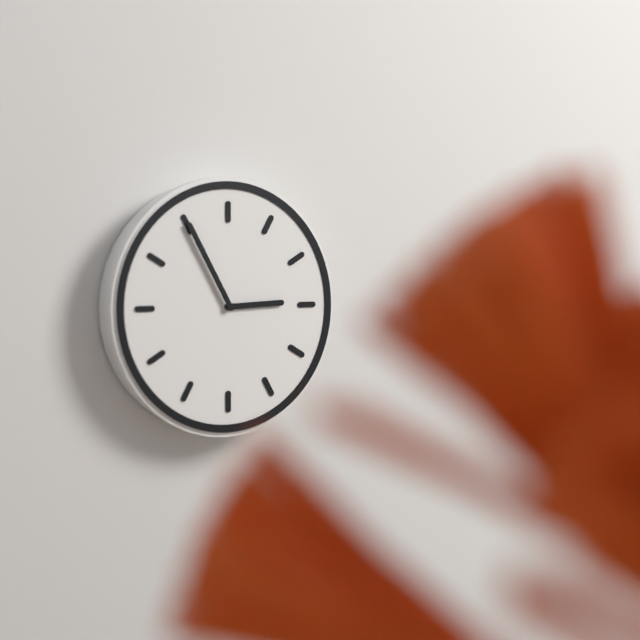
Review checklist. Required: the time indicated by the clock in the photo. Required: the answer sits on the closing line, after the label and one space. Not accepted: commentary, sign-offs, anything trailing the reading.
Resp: 2:55
